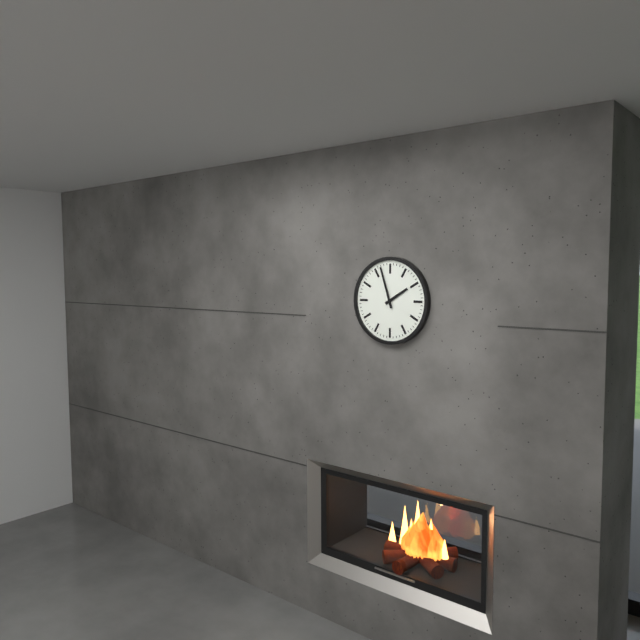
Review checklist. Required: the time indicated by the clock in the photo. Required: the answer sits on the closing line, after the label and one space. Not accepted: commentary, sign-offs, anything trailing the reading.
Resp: 1:57
